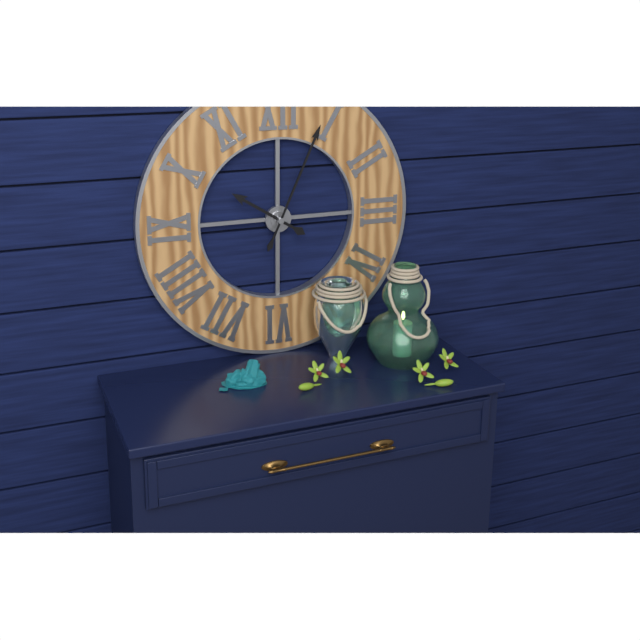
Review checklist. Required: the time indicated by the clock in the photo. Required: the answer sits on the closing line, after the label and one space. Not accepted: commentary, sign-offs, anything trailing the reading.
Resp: 10:04
